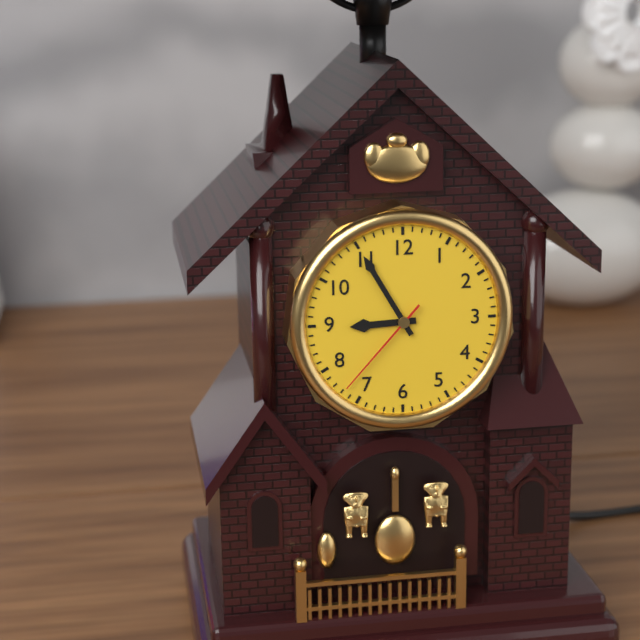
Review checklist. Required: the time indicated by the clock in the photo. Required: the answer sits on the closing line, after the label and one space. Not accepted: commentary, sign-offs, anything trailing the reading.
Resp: 8:55:37
